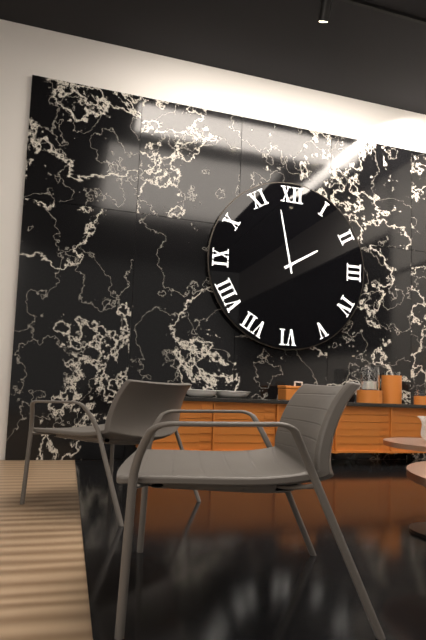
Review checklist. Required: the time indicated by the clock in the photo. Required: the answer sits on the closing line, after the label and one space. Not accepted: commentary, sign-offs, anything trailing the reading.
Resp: 1:58
